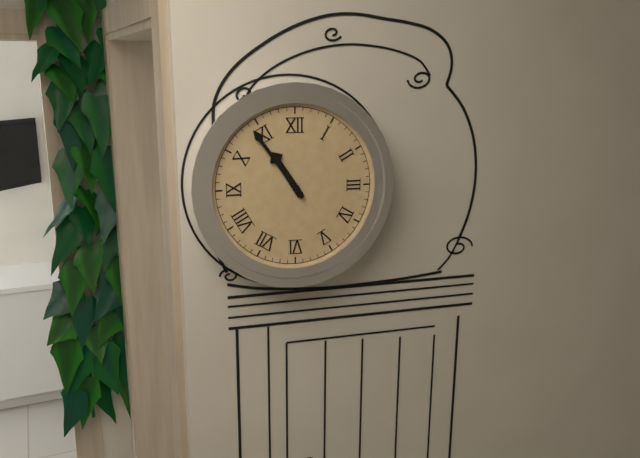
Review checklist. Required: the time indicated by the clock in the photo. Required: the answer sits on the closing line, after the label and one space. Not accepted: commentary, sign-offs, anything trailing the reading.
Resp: 10:54
